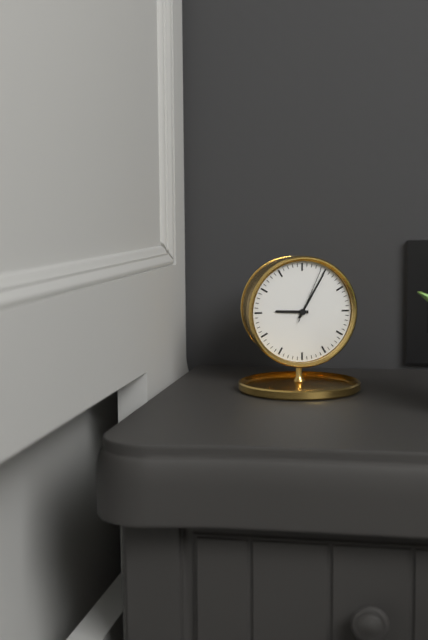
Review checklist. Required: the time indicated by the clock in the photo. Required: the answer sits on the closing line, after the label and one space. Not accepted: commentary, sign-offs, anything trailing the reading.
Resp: 9:05:04
